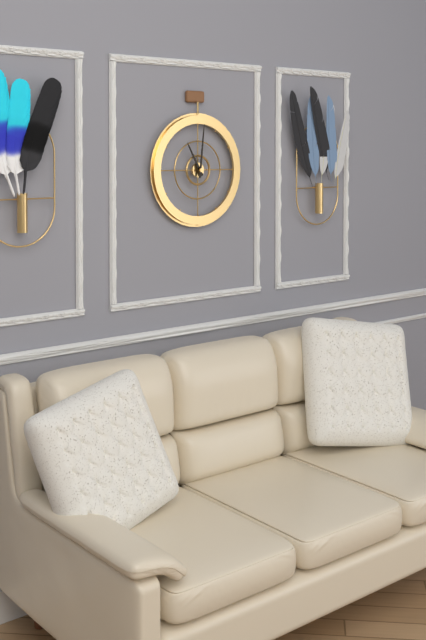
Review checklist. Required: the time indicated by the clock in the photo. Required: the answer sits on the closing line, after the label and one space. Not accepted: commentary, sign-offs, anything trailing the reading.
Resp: 11:01
